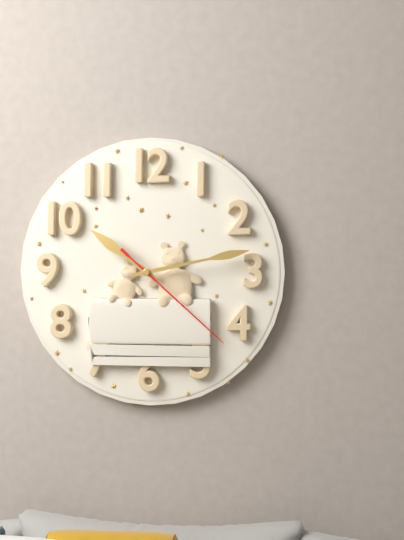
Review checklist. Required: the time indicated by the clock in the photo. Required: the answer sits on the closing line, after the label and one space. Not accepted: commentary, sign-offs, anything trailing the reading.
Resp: 10:13:22
